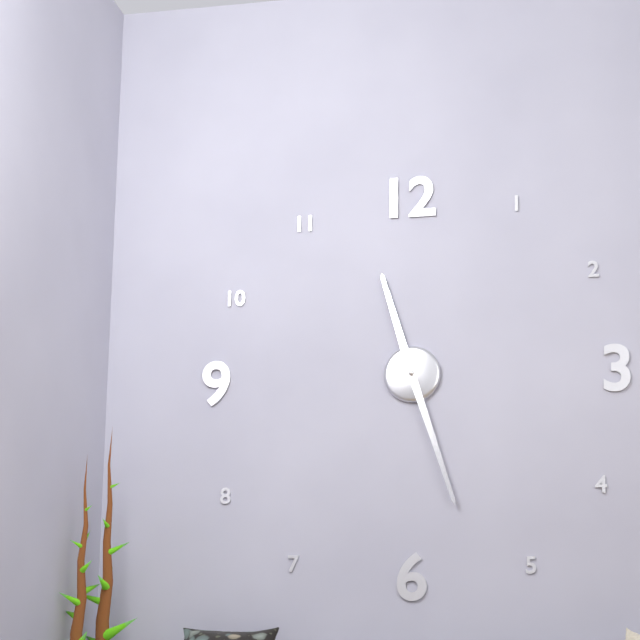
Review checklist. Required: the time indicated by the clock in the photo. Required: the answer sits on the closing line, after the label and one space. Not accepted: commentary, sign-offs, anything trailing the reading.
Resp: 11:27
